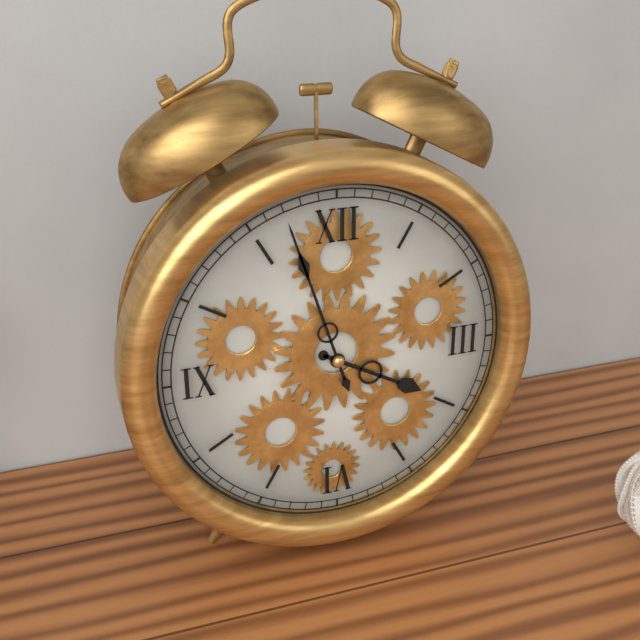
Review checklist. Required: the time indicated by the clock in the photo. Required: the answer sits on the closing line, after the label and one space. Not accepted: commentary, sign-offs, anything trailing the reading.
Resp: 3:57
